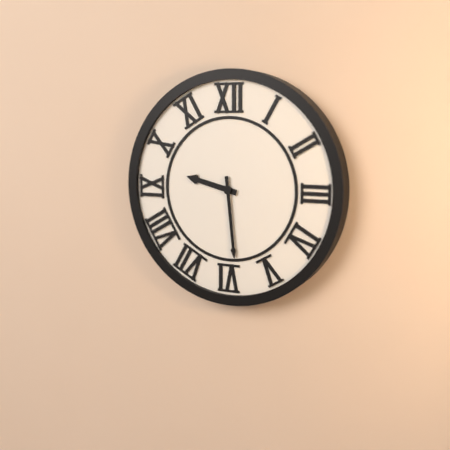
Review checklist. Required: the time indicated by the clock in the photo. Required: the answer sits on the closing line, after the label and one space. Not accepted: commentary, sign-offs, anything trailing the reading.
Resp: 9:29
